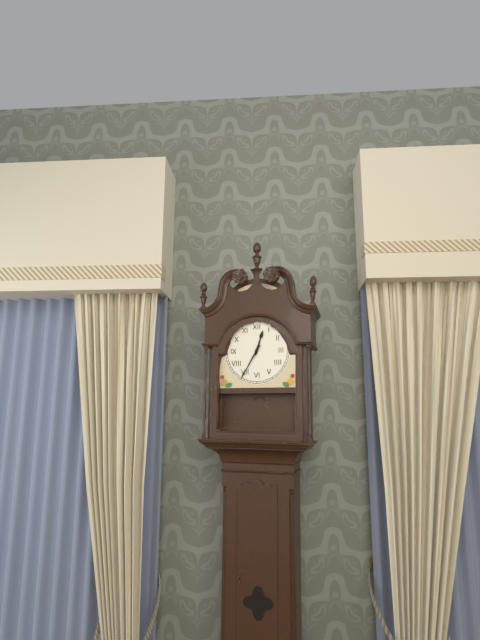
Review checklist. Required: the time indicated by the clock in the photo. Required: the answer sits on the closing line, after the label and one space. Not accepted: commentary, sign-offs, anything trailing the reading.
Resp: 12:35
